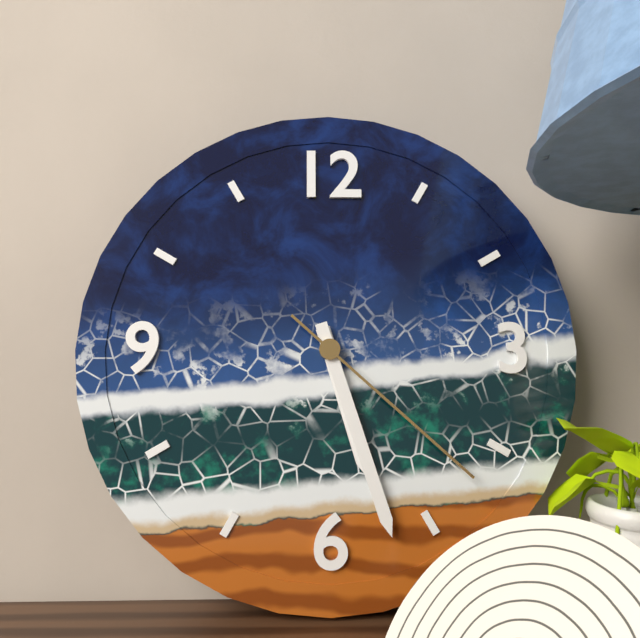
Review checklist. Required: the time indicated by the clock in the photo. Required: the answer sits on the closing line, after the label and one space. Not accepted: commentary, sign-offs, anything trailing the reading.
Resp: 5:27:22
